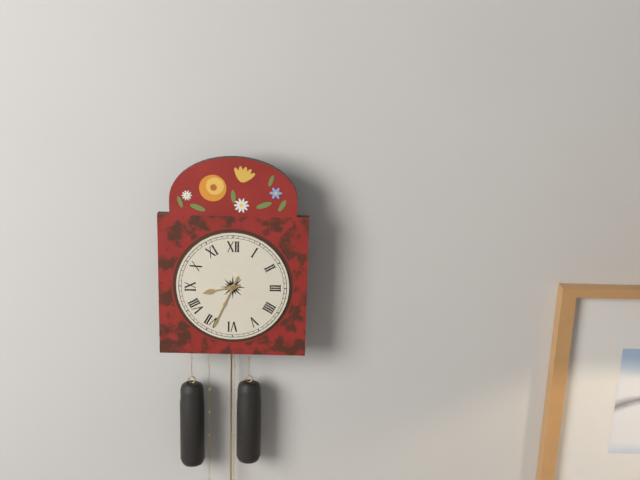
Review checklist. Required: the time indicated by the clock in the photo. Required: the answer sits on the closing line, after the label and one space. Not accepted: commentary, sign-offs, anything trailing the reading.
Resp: 8:34
